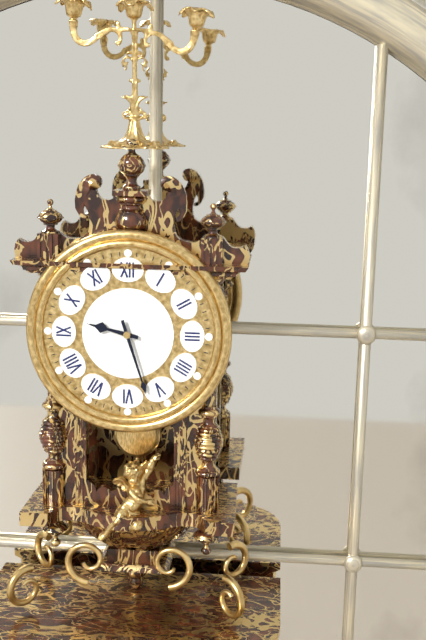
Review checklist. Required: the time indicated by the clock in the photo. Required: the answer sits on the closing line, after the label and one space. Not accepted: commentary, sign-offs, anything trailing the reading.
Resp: 9:27
